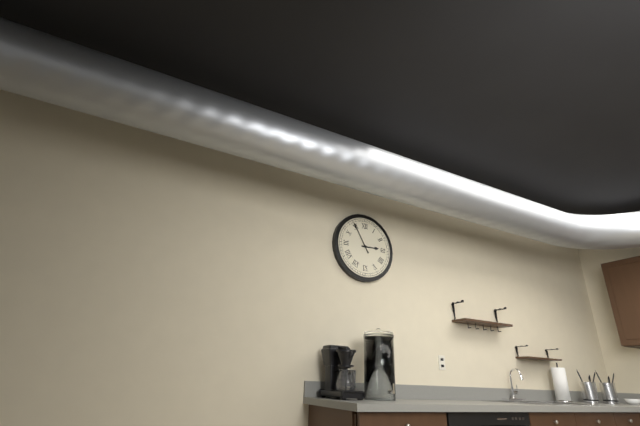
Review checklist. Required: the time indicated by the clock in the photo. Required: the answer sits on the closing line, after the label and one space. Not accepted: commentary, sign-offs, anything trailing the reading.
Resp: 2:55
